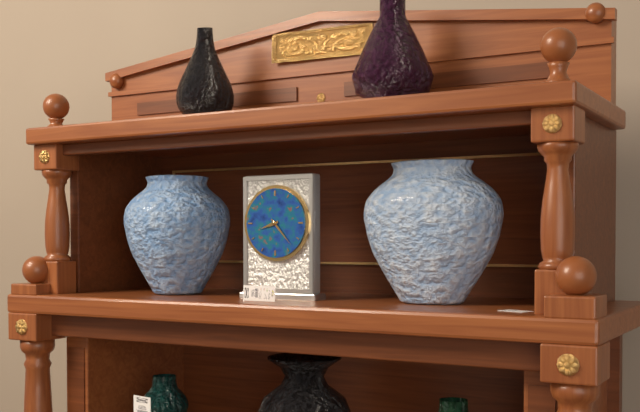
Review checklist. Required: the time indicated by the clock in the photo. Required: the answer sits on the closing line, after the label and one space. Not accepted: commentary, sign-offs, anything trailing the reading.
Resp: 8:23
